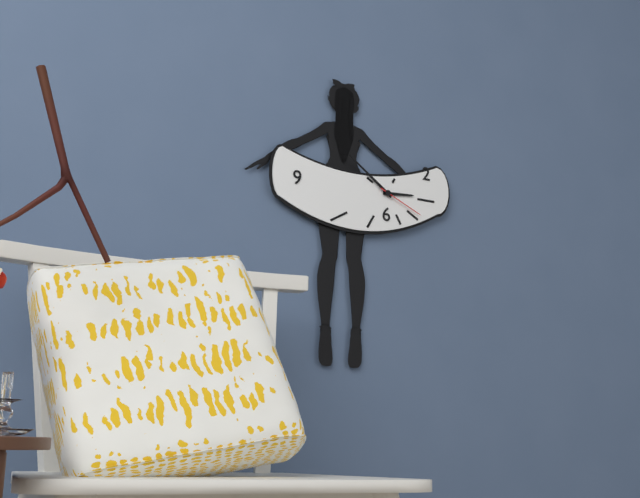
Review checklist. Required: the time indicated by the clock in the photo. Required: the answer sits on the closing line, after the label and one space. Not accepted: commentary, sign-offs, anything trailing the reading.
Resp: 2:51:19
